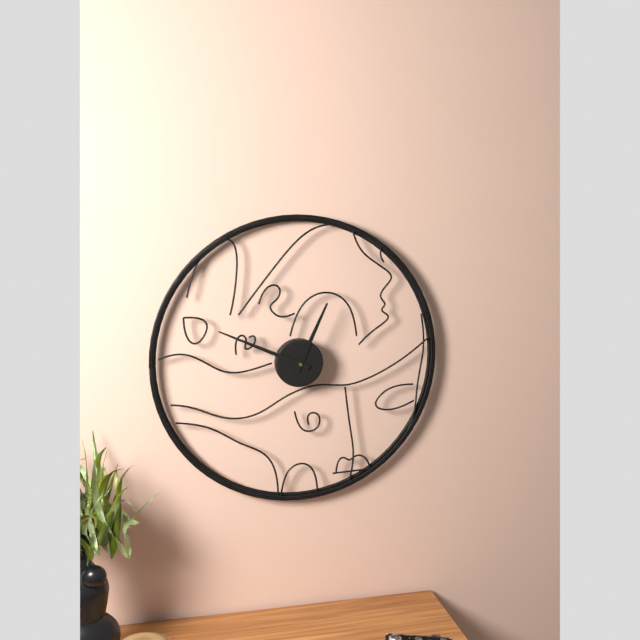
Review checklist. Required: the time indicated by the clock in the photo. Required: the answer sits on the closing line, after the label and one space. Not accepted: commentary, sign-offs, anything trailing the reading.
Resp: 12:49
